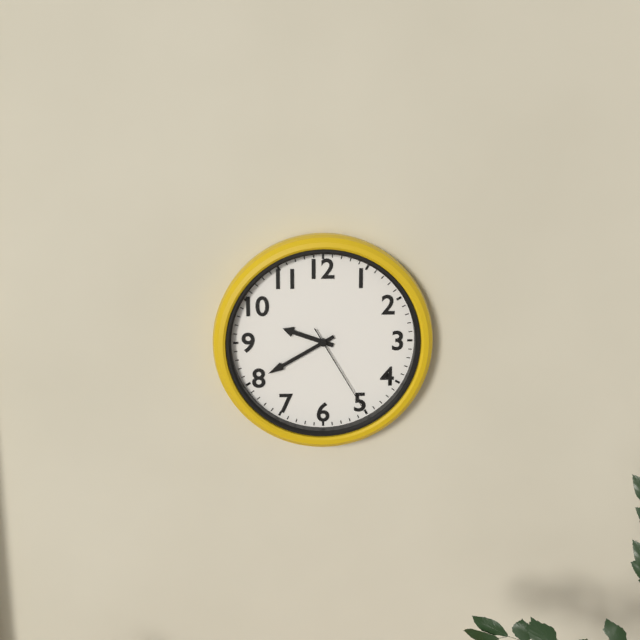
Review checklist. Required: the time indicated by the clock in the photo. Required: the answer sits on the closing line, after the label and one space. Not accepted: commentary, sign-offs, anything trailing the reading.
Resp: 9:40:25
